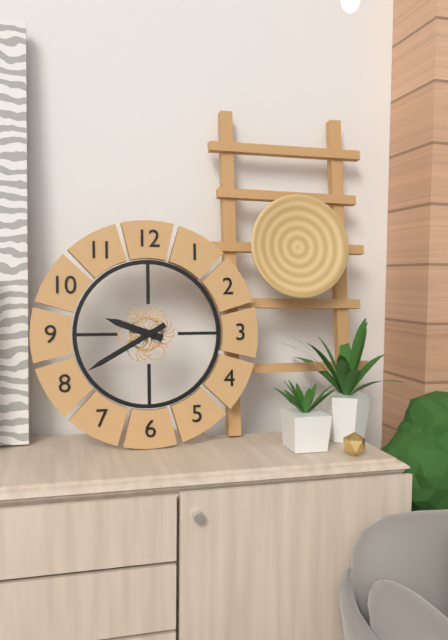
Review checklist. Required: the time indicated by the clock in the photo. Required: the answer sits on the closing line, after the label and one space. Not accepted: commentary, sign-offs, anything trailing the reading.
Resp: 9:40
